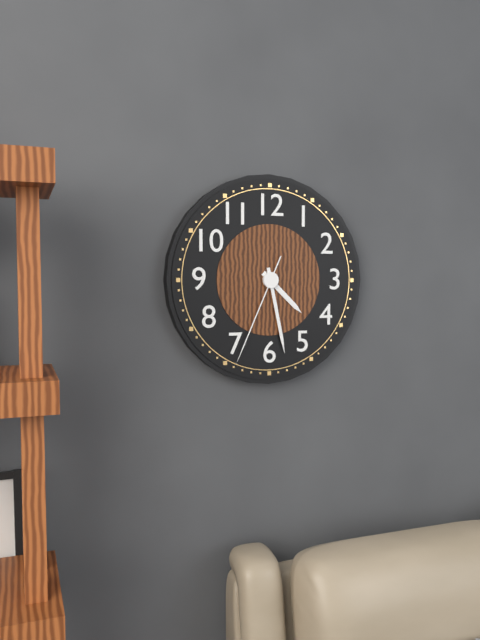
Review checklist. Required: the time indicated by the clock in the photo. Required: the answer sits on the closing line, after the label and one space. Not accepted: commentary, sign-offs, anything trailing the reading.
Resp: 4:28:34
